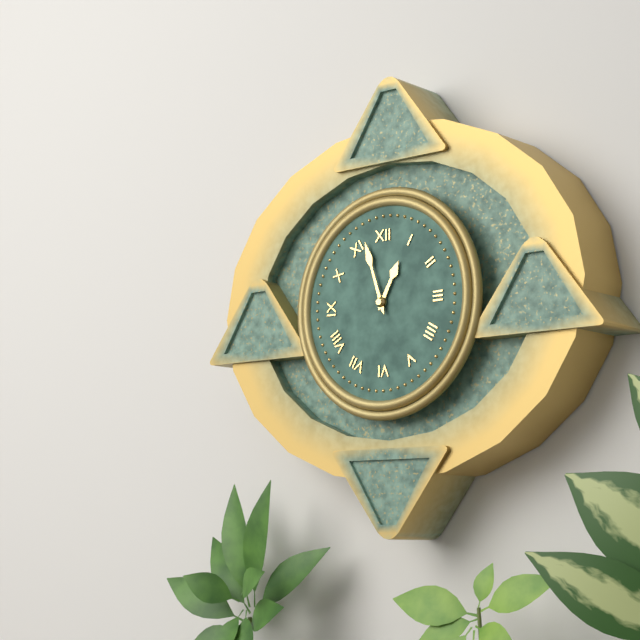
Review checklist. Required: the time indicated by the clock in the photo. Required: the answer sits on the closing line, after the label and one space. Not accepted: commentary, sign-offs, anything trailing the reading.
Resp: 12:57
